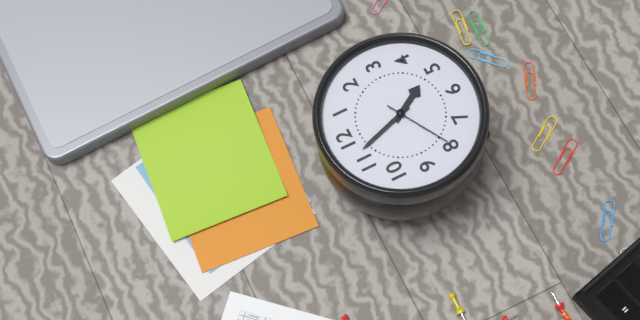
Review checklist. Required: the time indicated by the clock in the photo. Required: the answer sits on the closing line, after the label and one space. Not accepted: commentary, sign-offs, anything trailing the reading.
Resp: 4:57:40
